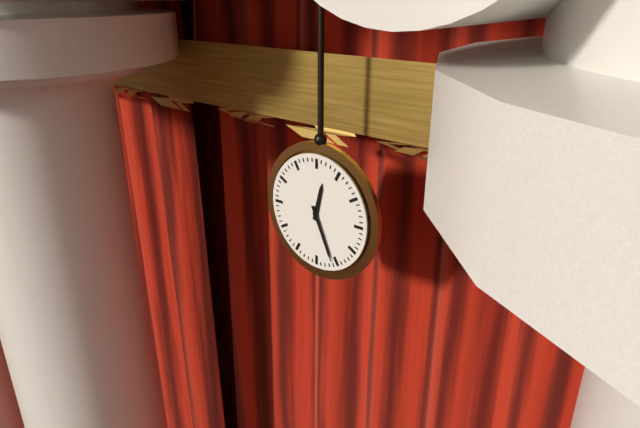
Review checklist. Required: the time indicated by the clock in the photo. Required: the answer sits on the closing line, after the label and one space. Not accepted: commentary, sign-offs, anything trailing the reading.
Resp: 12:26
